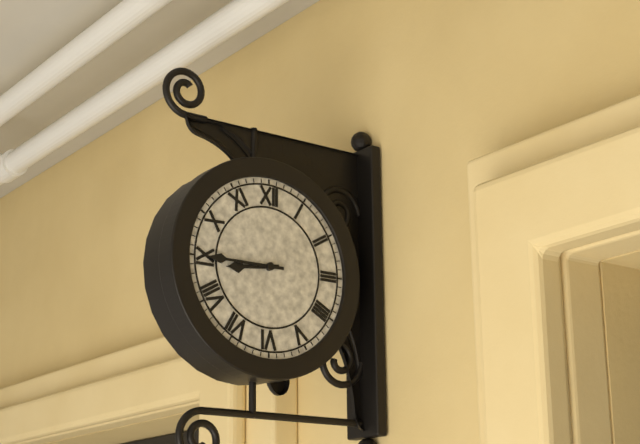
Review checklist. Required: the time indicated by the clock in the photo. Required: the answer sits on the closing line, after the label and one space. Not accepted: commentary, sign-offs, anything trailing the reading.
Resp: 8:45
